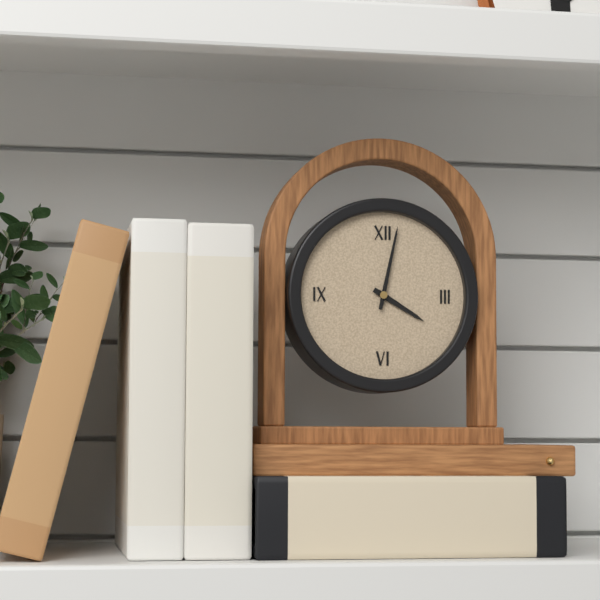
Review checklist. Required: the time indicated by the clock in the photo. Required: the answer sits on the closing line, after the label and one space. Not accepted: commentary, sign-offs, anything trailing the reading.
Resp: 4:02
